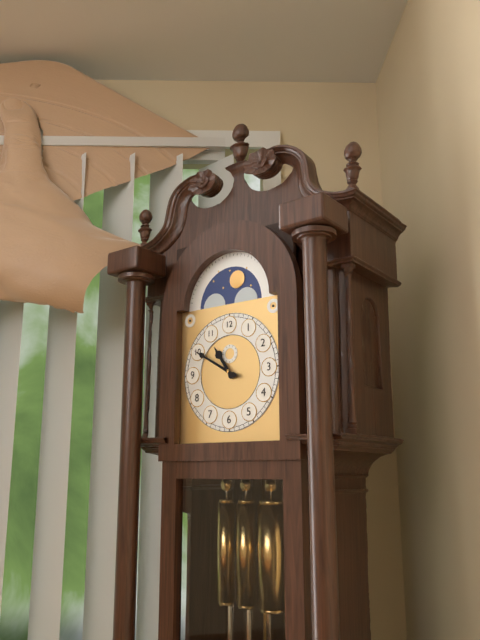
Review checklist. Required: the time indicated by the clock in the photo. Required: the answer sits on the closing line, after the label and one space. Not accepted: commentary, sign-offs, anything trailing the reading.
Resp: 10:50
